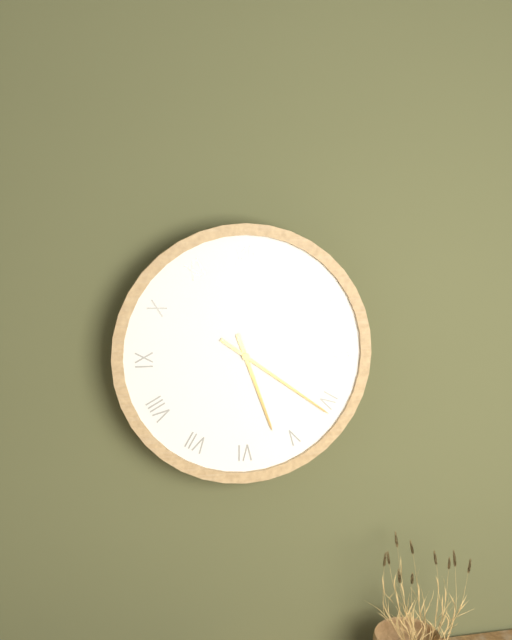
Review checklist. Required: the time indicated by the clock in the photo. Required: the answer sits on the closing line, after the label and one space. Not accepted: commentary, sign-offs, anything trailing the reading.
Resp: 5:21
